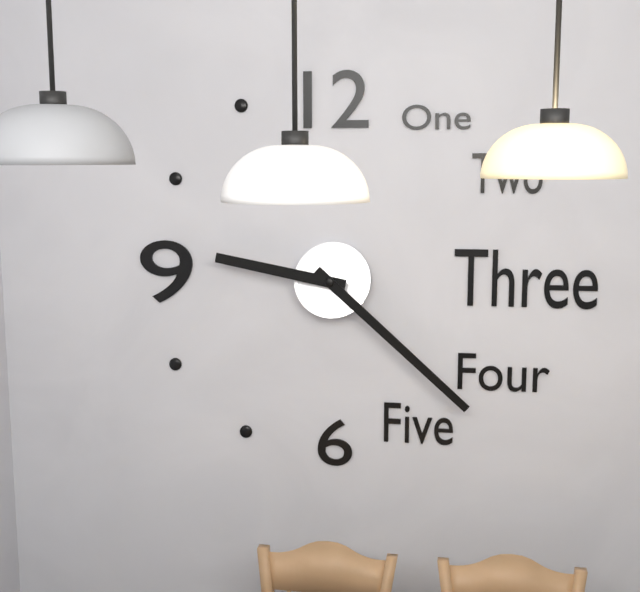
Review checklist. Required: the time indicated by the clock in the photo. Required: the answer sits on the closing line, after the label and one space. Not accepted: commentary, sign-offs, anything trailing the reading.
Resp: 9:22
